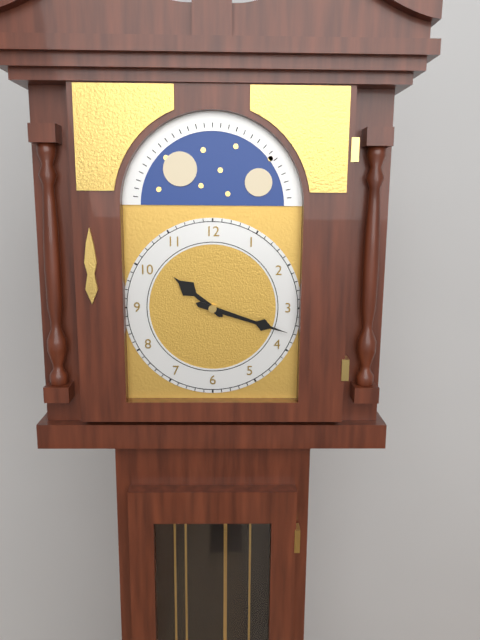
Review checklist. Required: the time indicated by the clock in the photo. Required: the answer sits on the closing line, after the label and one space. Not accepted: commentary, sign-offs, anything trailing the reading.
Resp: 10:18
